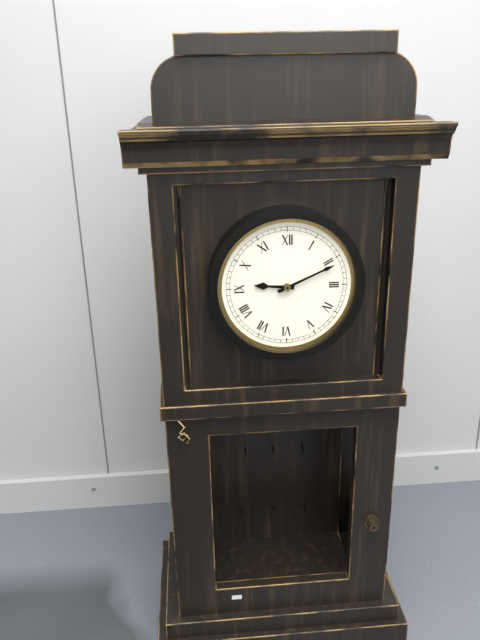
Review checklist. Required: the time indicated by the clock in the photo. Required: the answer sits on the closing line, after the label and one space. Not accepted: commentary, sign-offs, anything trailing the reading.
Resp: 9:11
